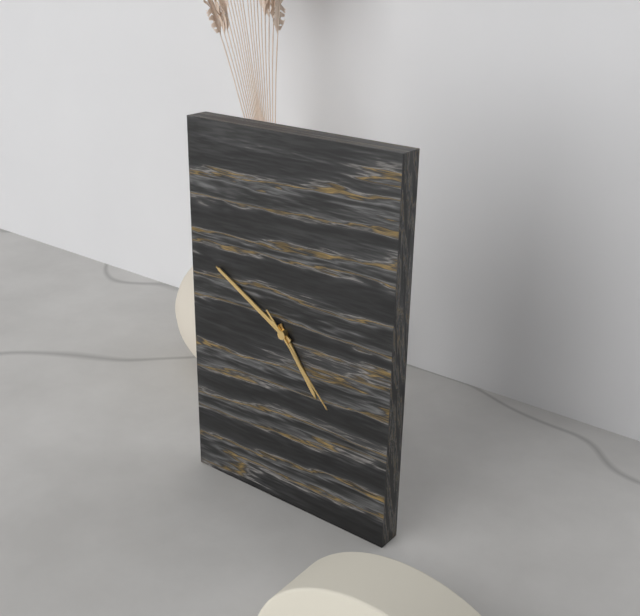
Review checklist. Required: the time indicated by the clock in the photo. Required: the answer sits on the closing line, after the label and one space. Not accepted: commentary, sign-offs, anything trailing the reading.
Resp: 4:50:23
